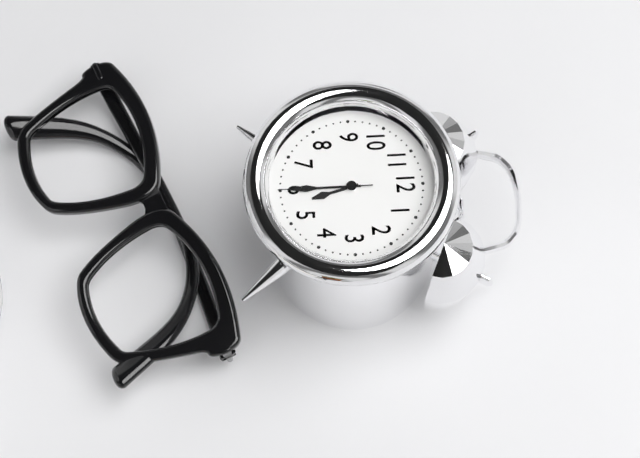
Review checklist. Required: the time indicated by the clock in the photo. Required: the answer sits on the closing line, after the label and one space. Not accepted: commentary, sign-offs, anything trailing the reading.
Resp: 5:30:30
